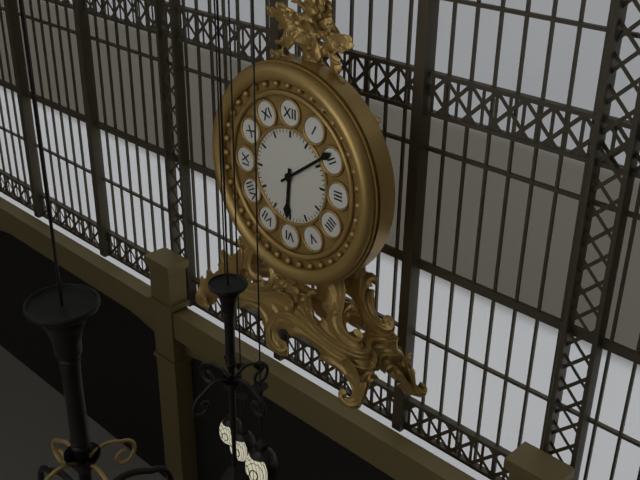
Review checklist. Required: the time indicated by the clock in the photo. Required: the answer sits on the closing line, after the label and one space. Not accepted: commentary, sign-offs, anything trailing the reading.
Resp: 6:09
